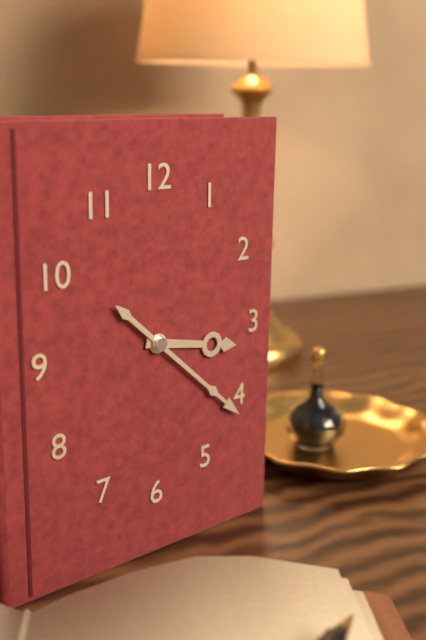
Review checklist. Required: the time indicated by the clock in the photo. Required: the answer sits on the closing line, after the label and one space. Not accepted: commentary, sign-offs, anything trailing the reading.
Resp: 3:22
